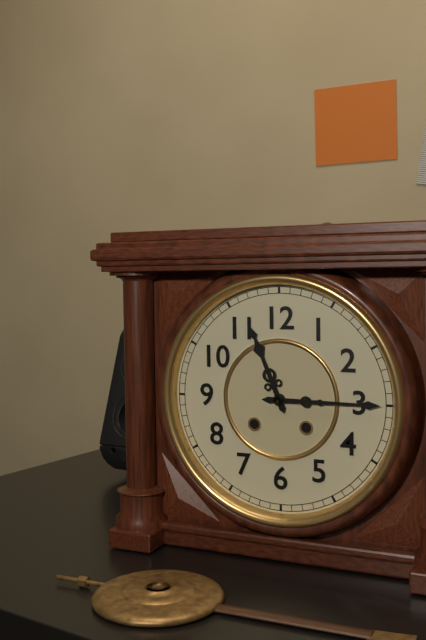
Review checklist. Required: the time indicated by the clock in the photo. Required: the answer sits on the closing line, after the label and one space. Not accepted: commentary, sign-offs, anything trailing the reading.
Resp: 11:15
